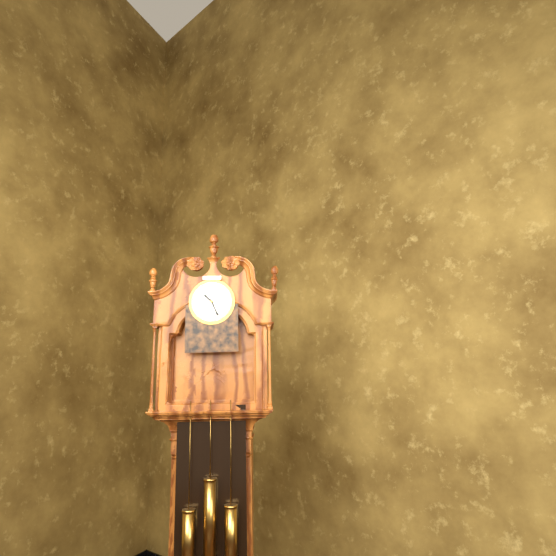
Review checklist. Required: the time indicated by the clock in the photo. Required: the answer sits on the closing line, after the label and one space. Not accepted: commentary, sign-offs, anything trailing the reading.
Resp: 10:26
